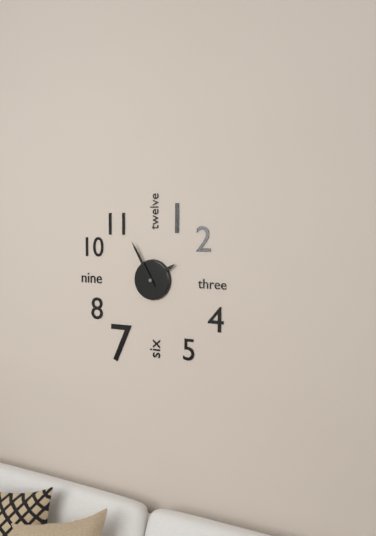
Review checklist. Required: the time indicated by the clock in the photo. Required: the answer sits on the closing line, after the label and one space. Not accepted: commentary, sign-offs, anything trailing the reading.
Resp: 1:55
